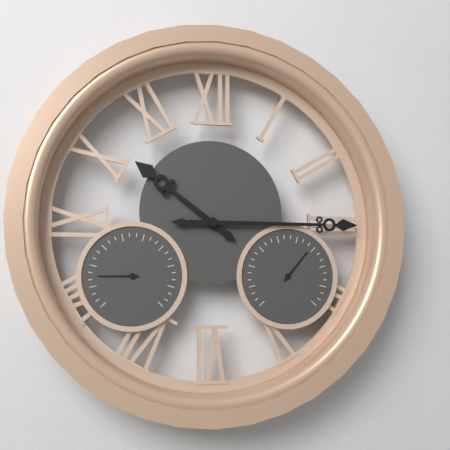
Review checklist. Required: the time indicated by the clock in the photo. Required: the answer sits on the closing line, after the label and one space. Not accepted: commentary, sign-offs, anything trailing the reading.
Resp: 10:15
